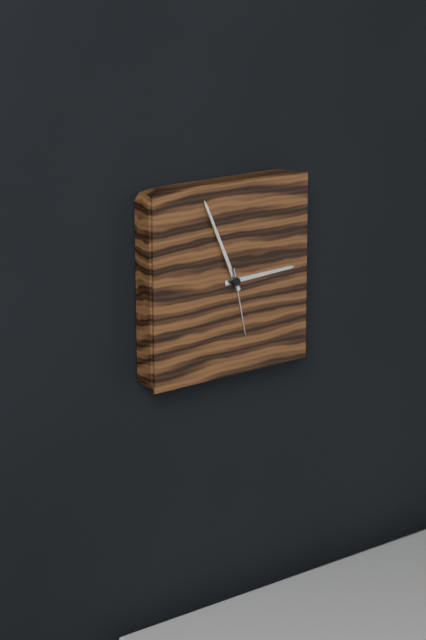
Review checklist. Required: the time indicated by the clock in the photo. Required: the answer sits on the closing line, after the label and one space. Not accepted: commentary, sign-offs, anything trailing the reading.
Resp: 2:56:28
